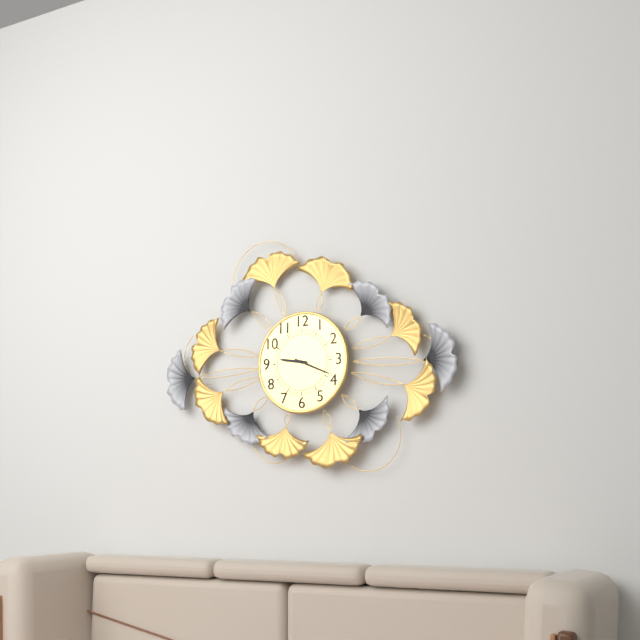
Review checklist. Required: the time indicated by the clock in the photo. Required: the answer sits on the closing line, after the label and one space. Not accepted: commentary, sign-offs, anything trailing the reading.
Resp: 9:19
